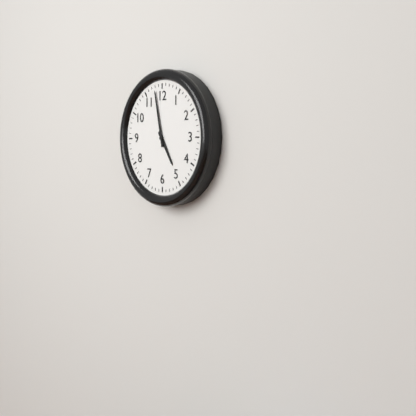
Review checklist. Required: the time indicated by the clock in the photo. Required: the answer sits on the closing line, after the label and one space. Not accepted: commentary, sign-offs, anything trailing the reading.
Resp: 4:58
